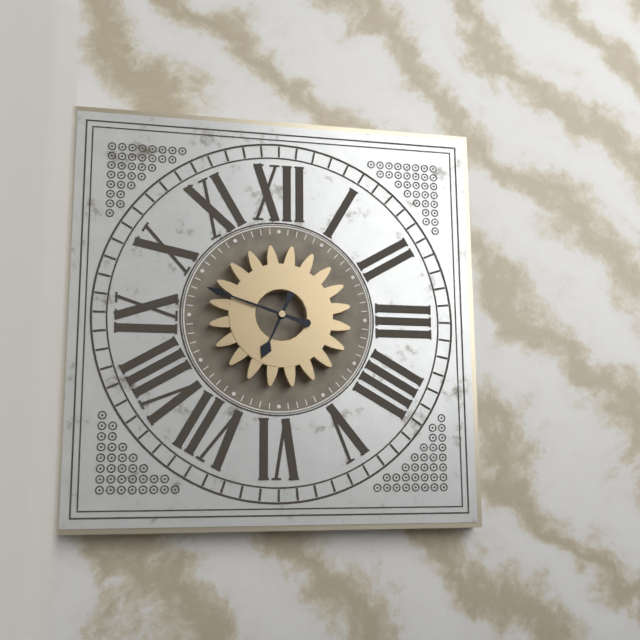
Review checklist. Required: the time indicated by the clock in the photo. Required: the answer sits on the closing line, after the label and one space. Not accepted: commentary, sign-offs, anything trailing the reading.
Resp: 6:48
